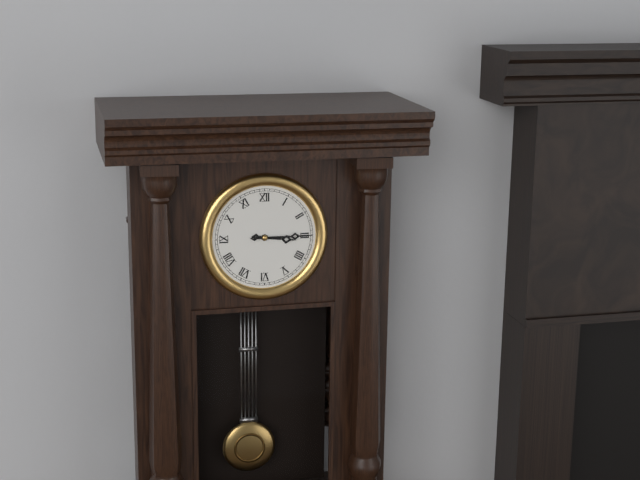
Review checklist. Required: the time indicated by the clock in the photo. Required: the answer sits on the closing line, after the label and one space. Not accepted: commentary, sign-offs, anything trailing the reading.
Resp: 3:15
